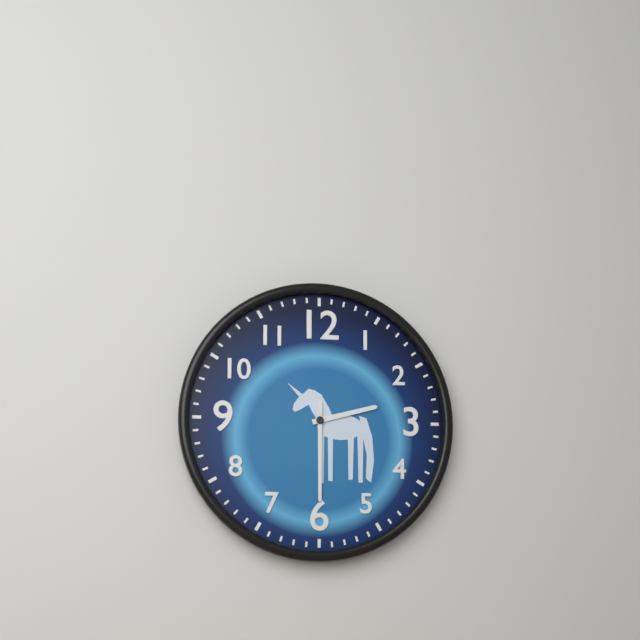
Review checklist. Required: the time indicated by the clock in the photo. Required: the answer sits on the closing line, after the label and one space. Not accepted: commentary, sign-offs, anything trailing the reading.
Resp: 2:30
